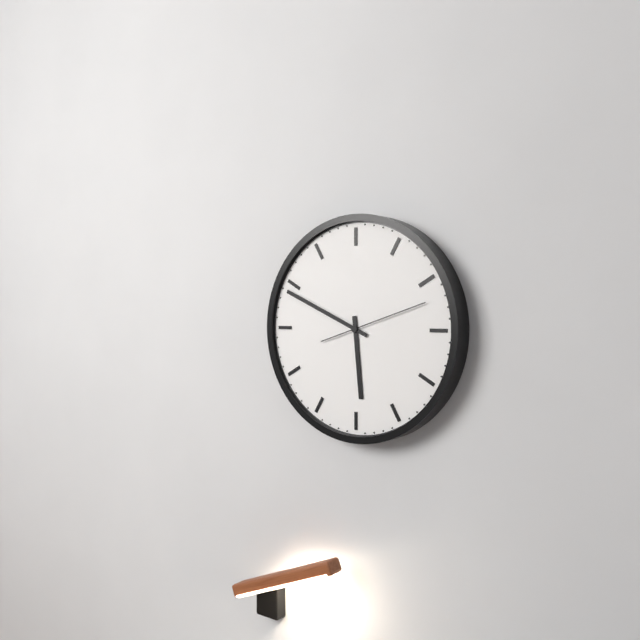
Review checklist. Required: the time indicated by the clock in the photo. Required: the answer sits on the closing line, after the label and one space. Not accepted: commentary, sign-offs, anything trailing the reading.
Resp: 5:49:12
